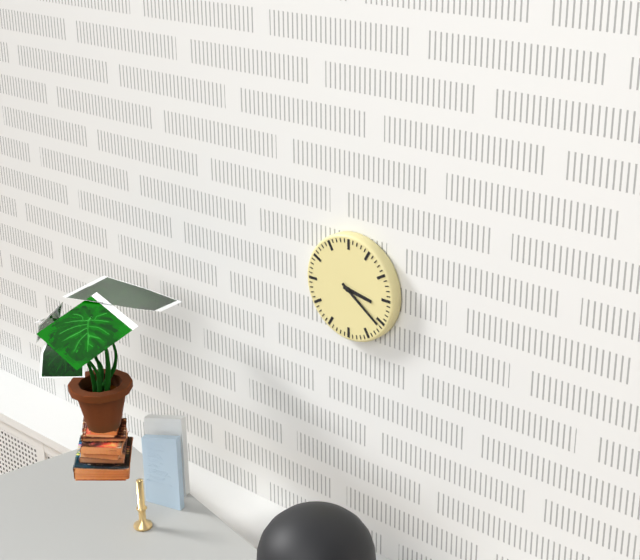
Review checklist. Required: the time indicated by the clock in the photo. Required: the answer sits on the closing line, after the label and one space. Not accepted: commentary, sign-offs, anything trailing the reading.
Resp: 3:21
